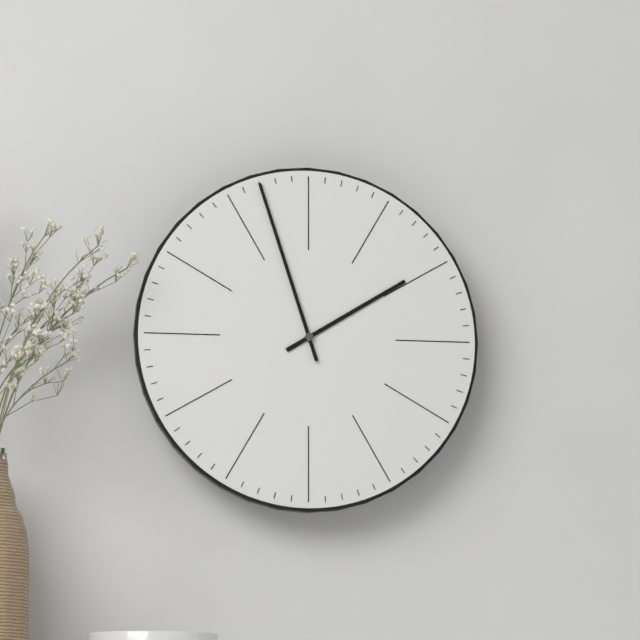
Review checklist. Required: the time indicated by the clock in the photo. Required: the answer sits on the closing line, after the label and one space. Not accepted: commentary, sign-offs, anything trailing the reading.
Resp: 1:57
